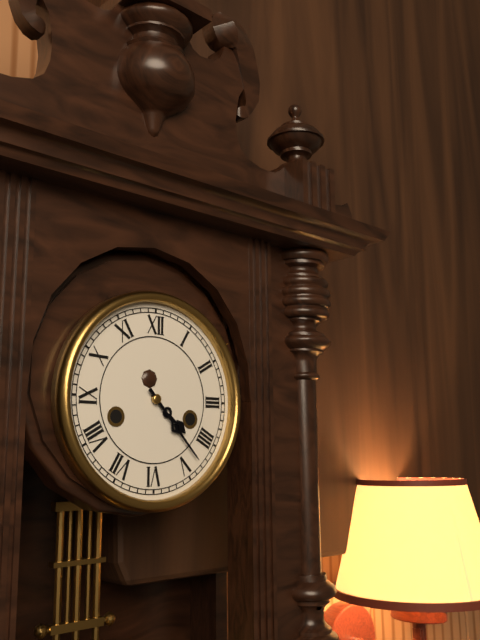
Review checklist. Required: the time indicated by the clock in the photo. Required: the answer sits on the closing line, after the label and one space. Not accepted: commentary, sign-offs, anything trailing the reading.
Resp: 4:23
